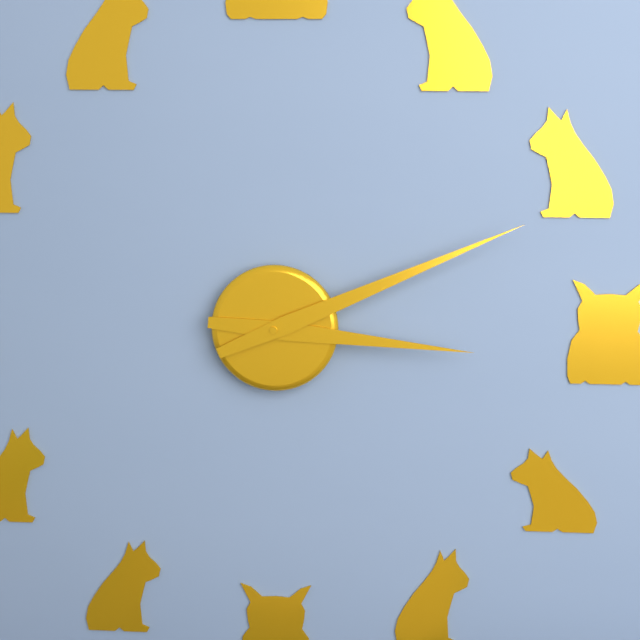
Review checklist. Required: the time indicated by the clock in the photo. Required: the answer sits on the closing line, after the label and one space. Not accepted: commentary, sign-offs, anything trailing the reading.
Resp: 3:11
